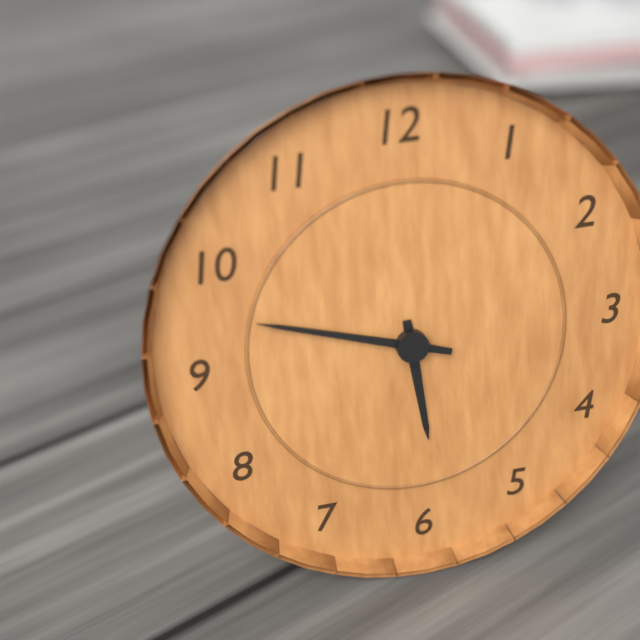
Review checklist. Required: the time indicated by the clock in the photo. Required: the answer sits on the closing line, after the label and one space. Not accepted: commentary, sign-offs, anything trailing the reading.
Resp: 5:48
